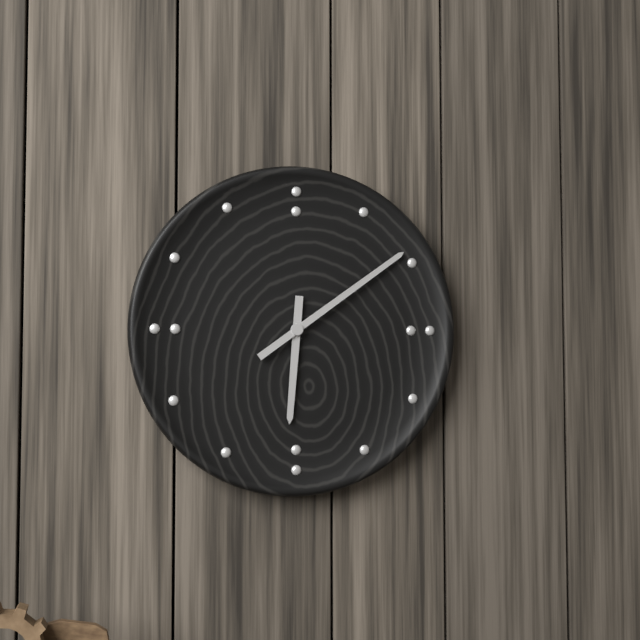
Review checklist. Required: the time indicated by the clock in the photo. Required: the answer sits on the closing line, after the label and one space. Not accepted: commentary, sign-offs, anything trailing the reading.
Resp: 6:09
